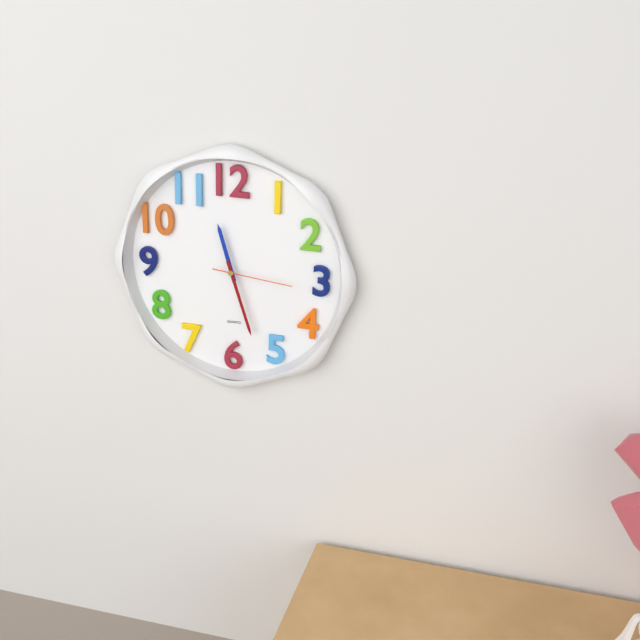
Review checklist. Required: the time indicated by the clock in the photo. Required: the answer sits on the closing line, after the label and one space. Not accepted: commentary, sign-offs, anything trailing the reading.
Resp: 11:27:16
